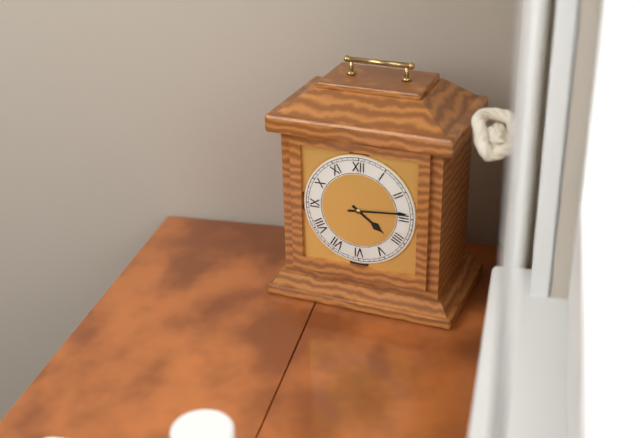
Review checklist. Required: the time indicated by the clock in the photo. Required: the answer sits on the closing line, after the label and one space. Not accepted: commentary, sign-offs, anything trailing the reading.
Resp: 4:14
